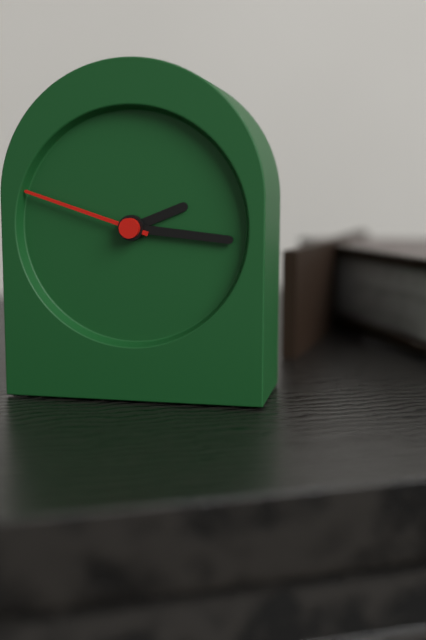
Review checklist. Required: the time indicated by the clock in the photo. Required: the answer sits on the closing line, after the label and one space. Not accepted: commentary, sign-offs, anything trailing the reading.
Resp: 2:16:48
